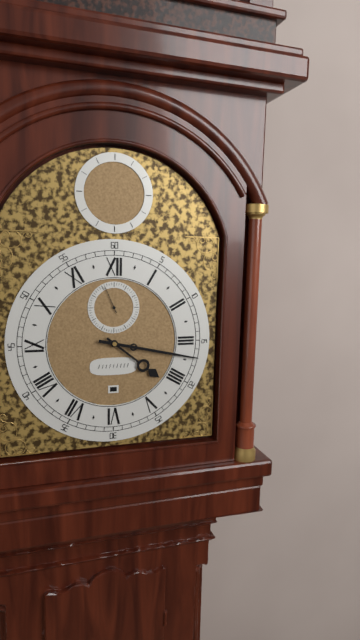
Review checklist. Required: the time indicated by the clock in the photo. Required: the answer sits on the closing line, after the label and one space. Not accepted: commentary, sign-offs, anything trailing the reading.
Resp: 4:17
